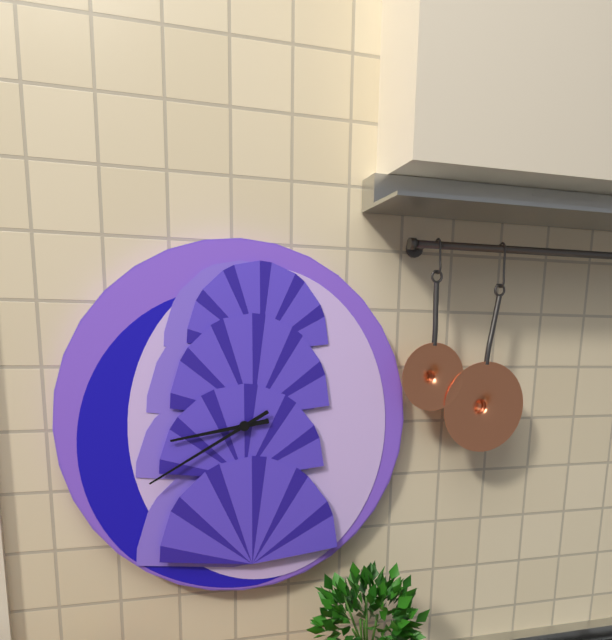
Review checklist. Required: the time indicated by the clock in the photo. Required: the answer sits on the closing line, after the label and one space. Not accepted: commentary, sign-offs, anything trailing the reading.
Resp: 8:40
